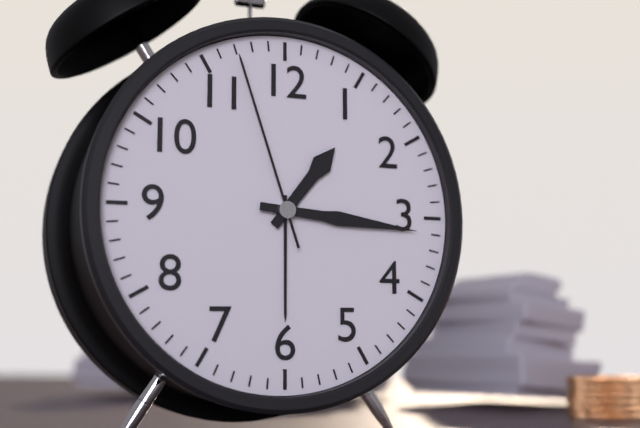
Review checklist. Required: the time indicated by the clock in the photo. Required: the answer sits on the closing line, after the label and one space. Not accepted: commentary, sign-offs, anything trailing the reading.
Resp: 1:16:57
